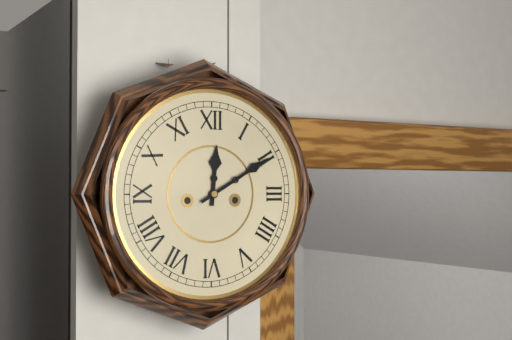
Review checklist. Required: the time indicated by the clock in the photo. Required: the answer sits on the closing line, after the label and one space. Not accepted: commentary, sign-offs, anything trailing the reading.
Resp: 12:10
